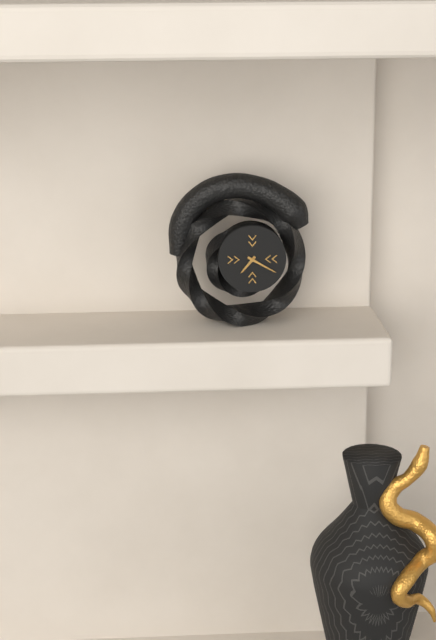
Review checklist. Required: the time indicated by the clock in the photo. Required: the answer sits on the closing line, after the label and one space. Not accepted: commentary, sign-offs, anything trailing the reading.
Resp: 7:20
